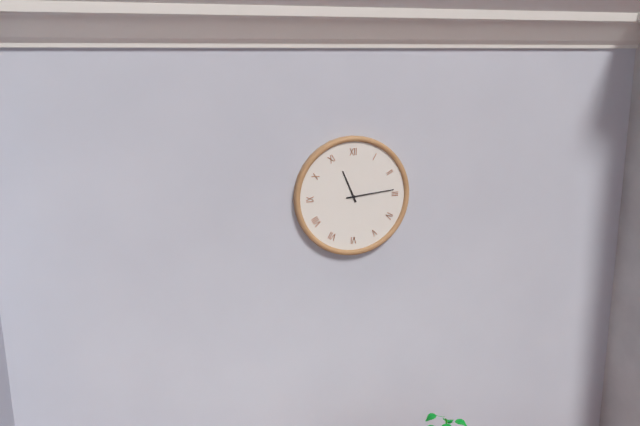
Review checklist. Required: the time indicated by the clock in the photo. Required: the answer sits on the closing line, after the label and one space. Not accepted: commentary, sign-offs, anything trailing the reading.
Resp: 11:14
